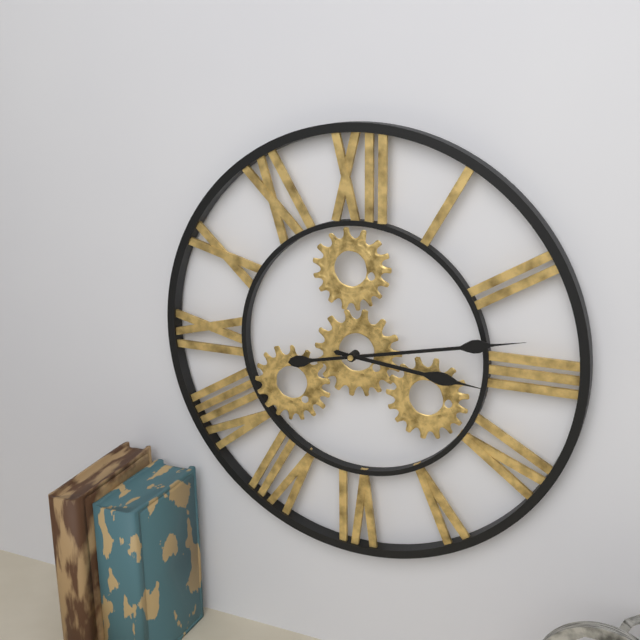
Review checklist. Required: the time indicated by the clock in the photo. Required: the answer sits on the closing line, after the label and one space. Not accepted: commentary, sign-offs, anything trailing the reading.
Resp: 3:13
